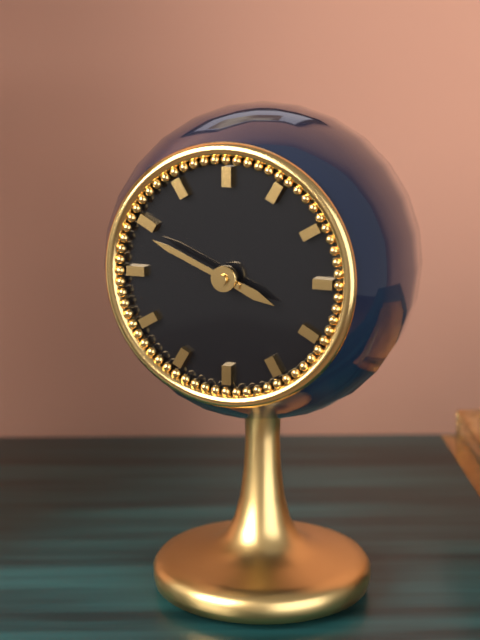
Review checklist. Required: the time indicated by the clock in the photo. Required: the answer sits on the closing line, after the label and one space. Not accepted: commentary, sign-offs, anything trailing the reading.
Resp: 3:49
